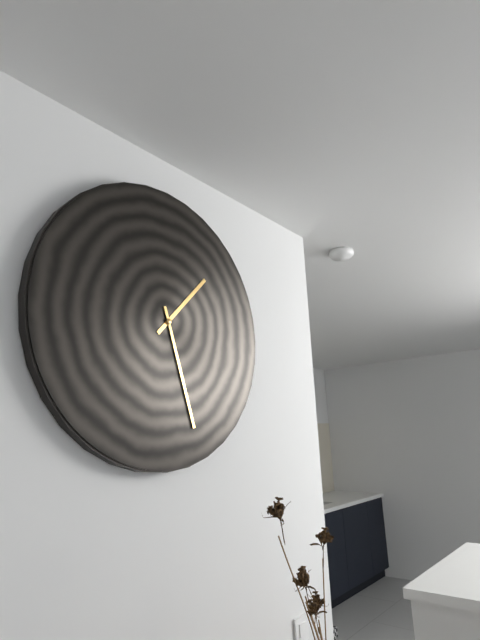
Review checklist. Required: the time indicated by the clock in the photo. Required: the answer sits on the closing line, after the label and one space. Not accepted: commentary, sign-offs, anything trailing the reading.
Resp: 1:27
